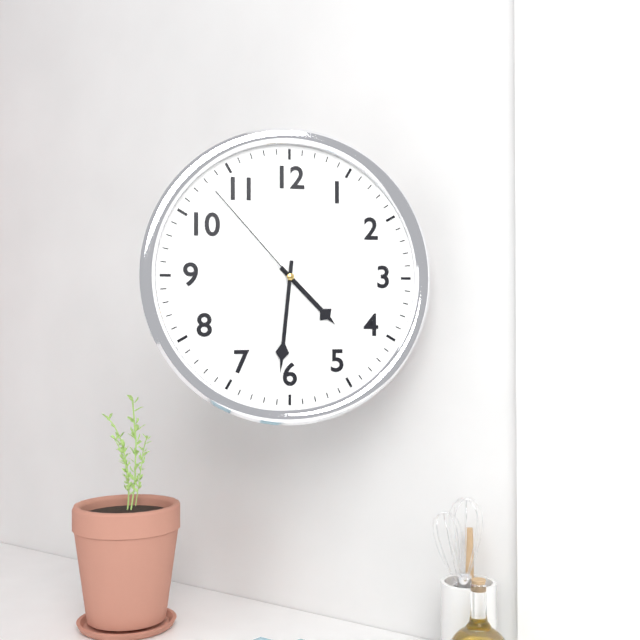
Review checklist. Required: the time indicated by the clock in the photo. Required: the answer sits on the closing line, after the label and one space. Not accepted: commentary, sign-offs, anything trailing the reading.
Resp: 4:31:53
